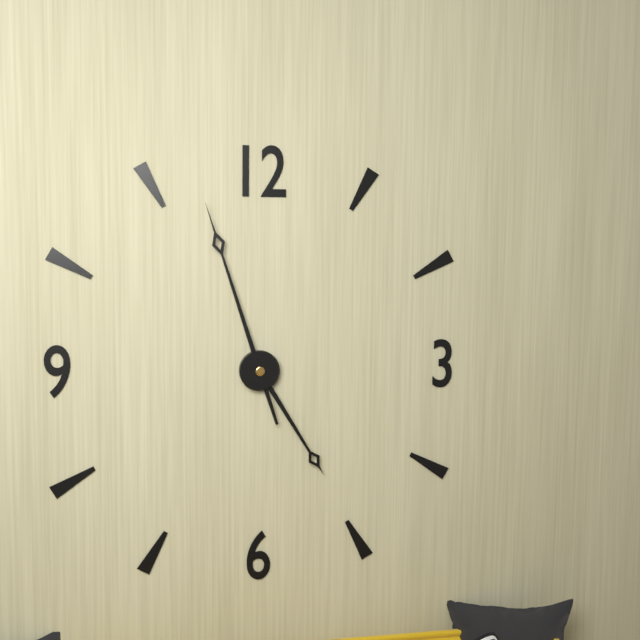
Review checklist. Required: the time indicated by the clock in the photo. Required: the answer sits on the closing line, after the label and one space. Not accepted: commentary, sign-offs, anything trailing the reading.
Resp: 4:57
